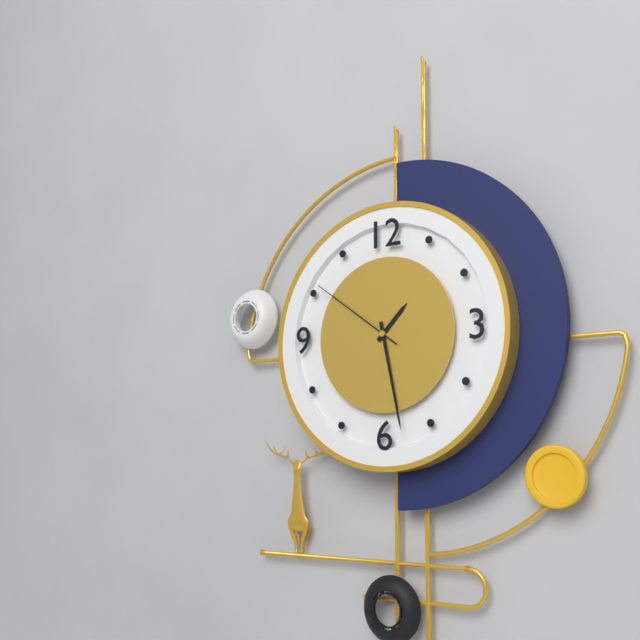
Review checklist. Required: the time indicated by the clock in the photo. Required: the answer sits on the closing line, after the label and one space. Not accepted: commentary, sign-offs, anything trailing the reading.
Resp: 1:28:51
